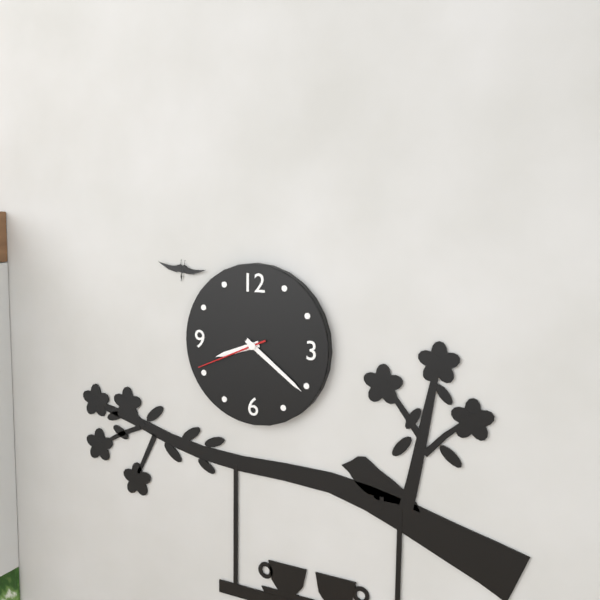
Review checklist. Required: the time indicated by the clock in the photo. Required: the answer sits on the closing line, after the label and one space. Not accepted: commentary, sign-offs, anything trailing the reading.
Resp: 8:21:41
